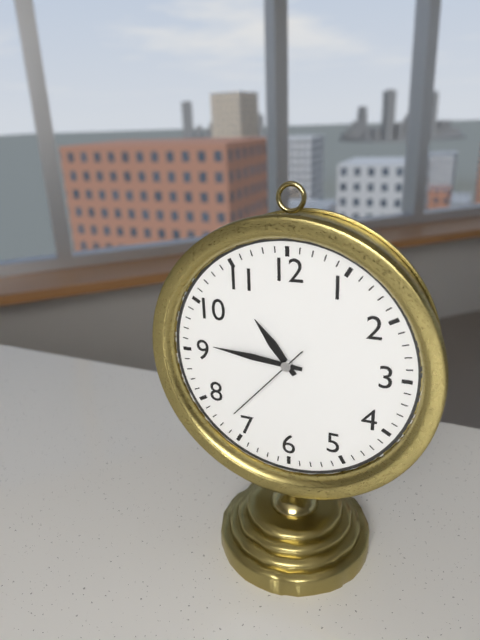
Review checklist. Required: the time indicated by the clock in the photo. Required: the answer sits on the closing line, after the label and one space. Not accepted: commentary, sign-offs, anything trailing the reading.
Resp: 10:46:37
